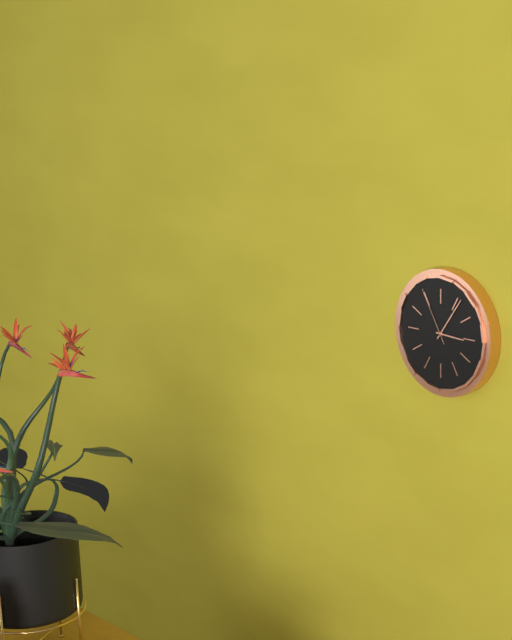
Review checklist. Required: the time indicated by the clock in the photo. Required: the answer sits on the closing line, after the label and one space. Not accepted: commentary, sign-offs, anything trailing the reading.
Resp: 3:06:55
